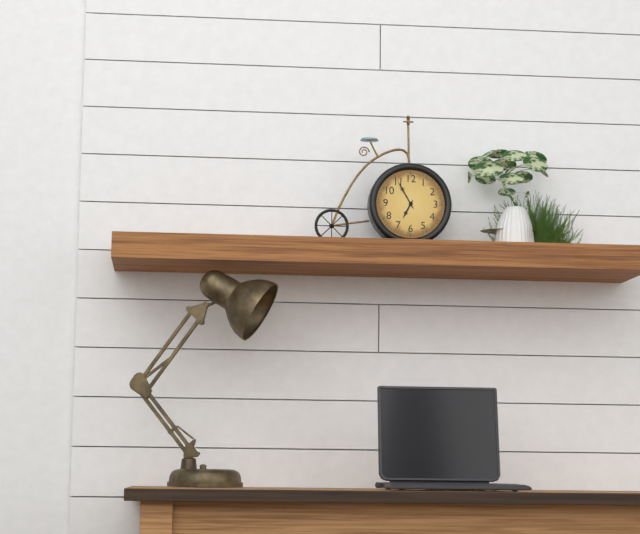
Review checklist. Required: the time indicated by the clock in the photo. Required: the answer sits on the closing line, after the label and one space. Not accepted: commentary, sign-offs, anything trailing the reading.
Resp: 6:55
